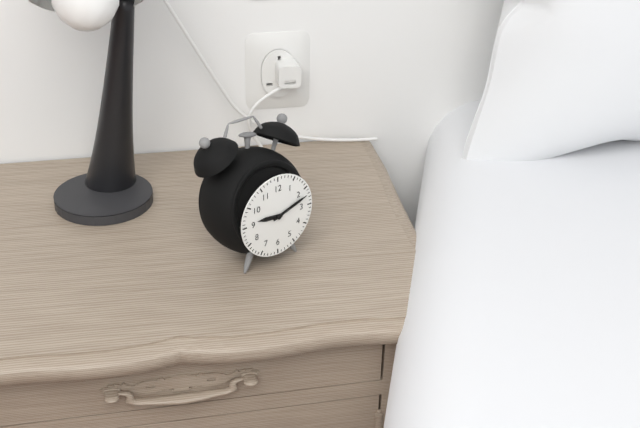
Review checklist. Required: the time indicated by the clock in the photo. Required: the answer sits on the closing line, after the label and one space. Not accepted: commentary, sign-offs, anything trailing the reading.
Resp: 9:12
